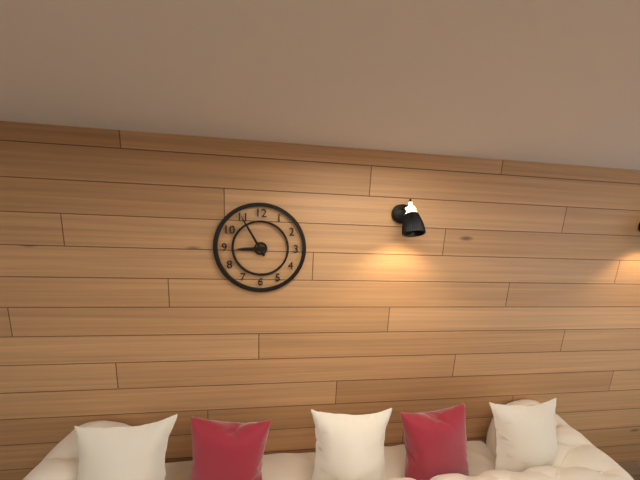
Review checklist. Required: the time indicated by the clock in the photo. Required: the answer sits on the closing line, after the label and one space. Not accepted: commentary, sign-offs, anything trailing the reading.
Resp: 8:55
